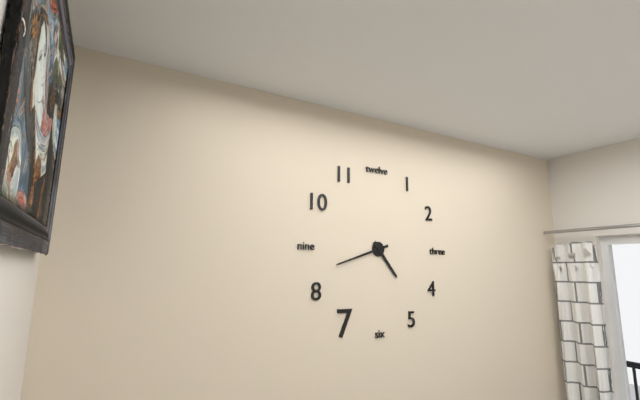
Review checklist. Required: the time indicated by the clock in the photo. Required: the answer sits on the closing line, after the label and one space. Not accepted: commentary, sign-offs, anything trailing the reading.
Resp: 4:42
